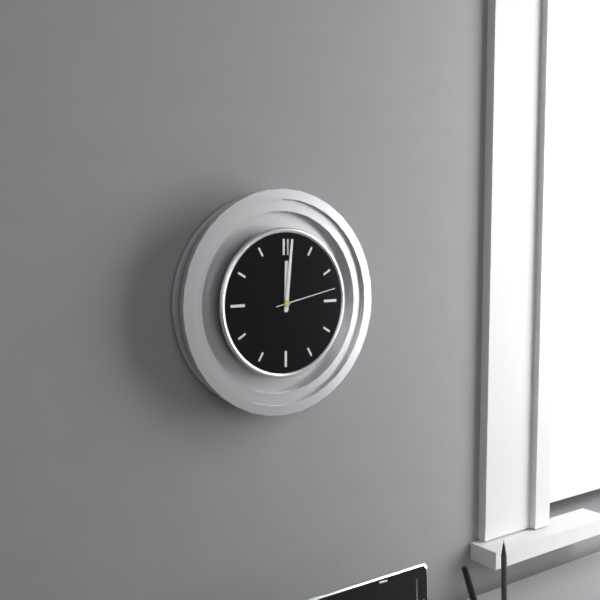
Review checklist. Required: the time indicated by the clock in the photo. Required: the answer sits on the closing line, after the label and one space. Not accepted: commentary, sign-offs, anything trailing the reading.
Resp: 12:01:13
